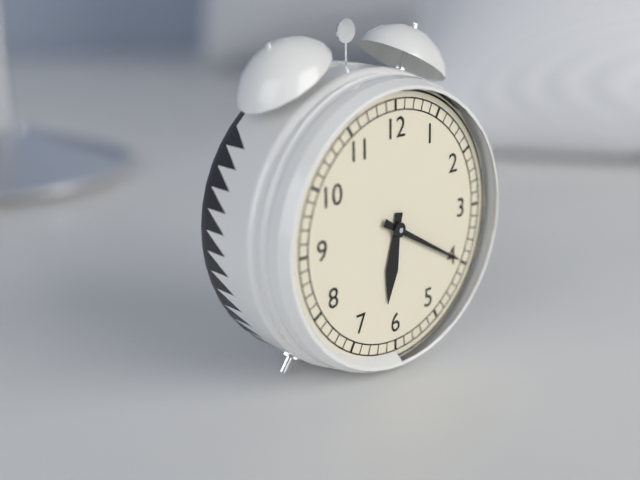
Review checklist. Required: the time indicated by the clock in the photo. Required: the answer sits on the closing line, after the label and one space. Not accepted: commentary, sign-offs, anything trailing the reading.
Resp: 6:20
